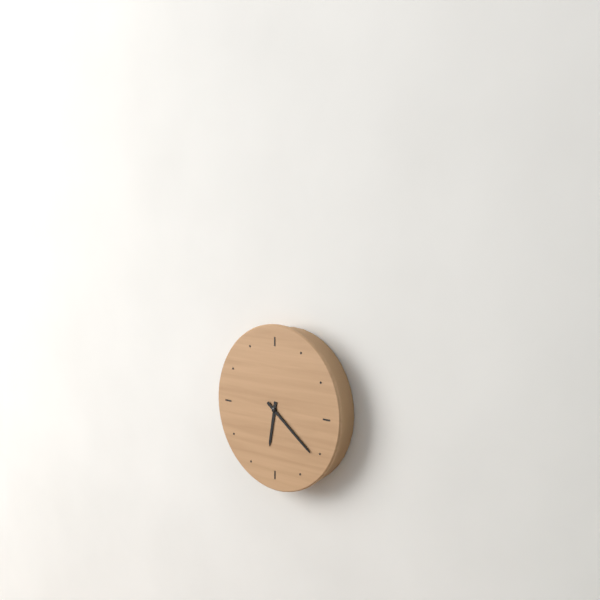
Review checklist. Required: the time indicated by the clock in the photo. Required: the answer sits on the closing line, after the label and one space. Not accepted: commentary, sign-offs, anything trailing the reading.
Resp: 6:21
